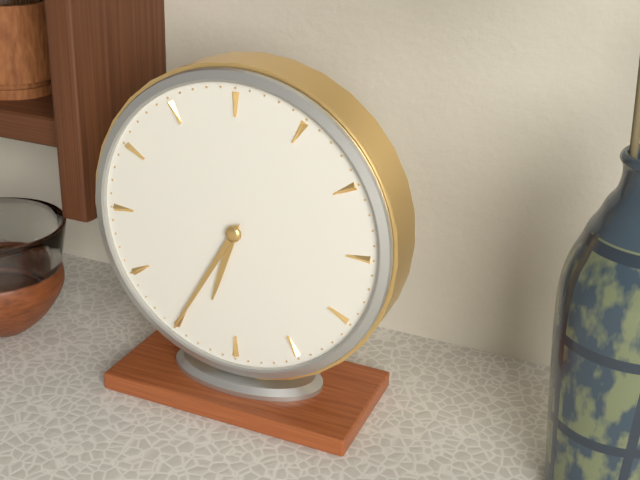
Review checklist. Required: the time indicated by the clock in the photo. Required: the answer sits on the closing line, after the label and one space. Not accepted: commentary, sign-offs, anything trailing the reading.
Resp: 6:35
